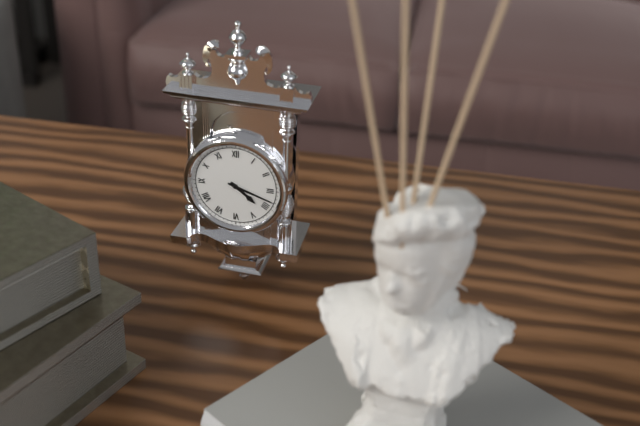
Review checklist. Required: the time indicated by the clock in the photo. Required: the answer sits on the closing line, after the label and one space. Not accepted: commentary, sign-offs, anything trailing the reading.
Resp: 4:18
